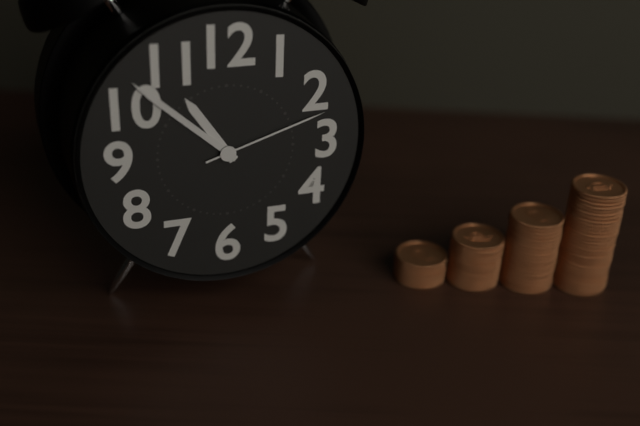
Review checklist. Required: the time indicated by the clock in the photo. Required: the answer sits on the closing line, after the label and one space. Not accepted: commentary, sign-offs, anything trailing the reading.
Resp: 10:52:12
